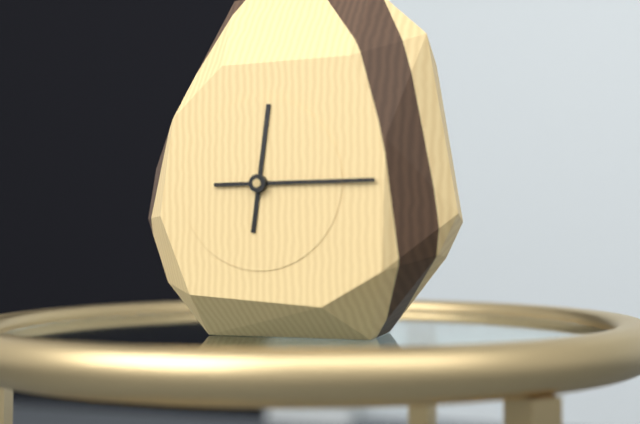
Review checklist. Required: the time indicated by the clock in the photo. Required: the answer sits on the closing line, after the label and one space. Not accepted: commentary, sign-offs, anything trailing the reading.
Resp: 12:15
